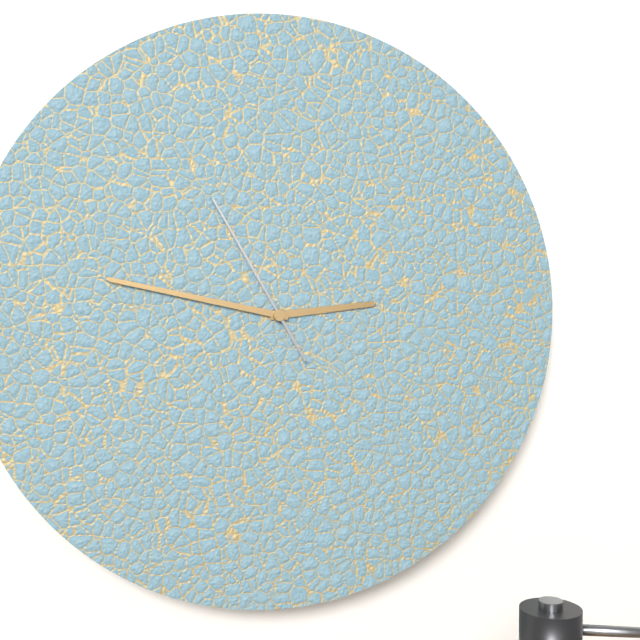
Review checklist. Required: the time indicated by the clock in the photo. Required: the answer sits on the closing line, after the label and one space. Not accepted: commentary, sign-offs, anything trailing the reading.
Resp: 2:47:55
